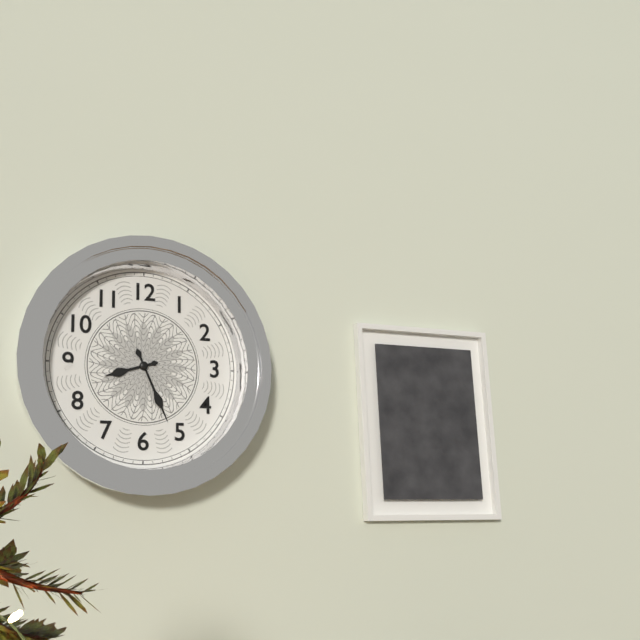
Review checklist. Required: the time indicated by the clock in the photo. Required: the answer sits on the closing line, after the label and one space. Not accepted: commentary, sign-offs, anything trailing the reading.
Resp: 8:26
